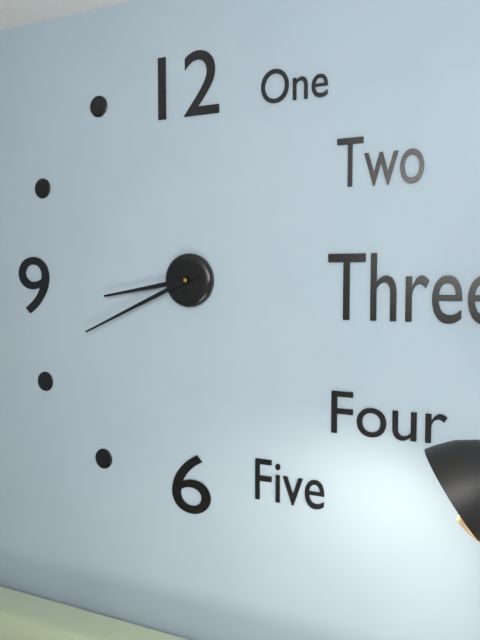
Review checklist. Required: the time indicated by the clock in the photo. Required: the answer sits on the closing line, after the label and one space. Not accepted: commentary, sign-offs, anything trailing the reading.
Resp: 8:41
